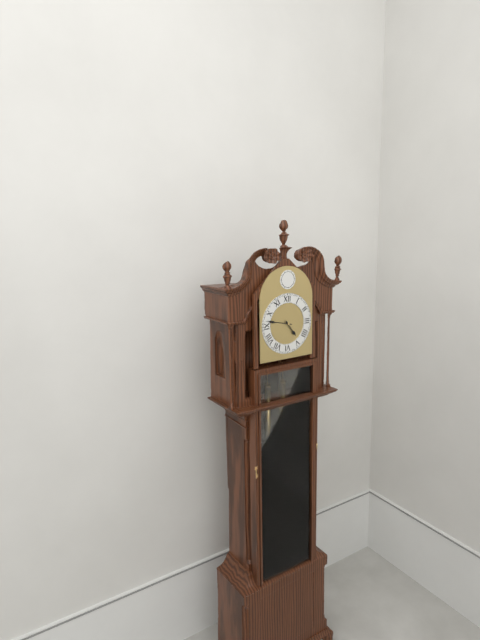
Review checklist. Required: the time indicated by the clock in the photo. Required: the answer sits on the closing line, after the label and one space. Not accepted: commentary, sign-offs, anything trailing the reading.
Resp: 4:47
